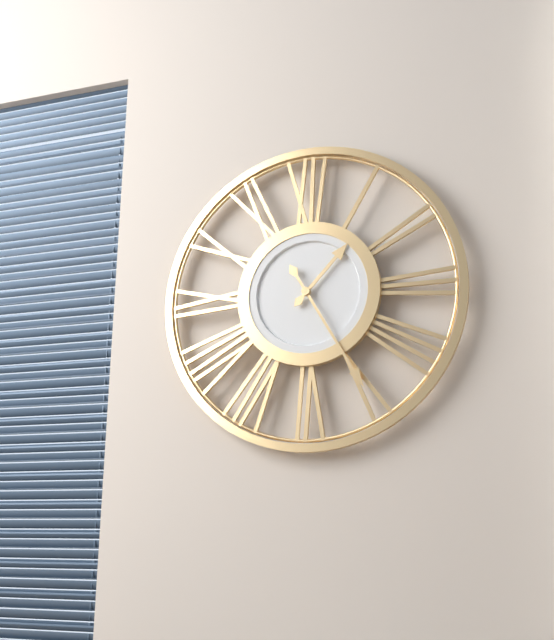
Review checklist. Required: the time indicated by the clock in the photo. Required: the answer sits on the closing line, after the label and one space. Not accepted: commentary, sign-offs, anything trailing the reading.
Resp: 1:25
